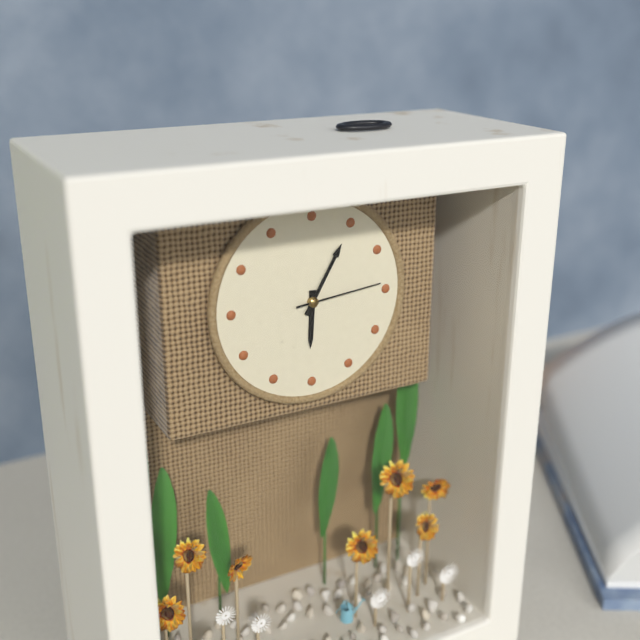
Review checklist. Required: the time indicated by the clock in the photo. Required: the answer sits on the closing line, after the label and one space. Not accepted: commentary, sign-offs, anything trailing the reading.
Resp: 6:05:14
